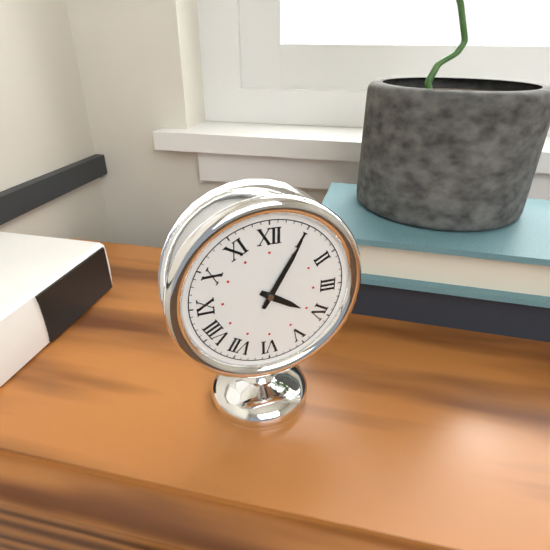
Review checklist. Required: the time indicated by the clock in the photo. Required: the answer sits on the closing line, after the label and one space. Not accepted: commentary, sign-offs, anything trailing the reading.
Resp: 4:05
